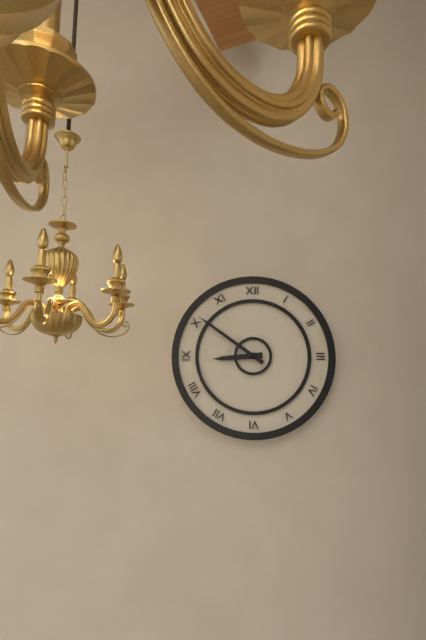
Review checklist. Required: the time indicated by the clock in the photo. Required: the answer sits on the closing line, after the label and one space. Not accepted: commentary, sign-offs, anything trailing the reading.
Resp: 8:51
